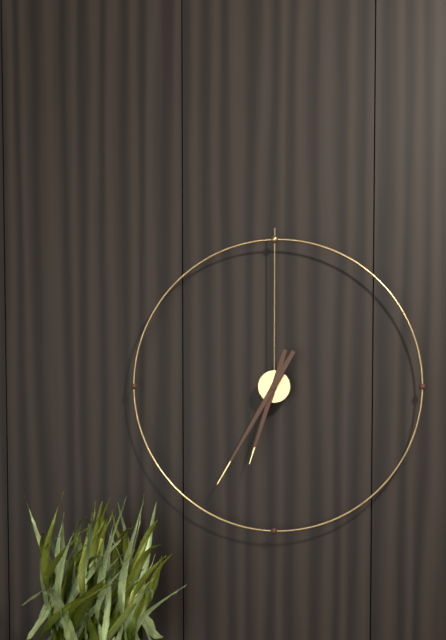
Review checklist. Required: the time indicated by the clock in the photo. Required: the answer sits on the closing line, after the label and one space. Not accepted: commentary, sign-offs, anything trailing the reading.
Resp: 6:35
